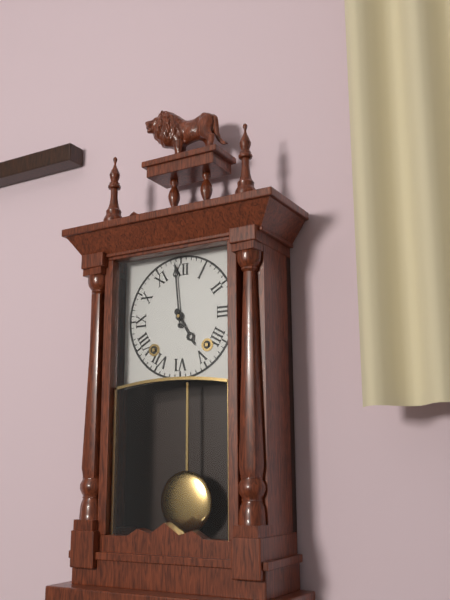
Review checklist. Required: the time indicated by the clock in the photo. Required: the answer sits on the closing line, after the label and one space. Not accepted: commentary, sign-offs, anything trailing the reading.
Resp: 4:59
